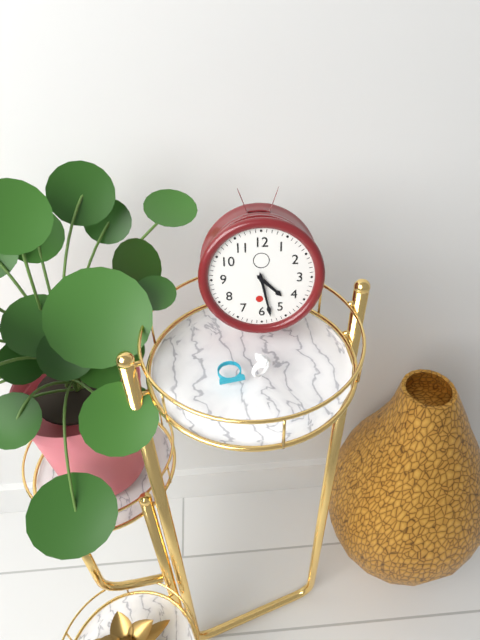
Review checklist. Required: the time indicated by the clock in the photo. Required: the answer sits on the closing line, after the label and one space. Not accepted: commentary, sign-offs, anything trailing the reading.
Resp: 4:28
